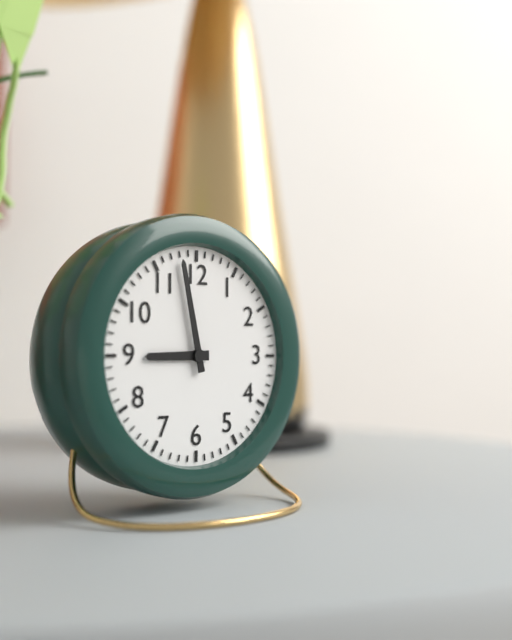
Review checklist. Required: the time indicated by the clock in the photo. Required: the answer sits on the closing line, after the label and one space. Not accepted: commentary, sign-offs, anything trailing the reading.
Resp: 8:58
